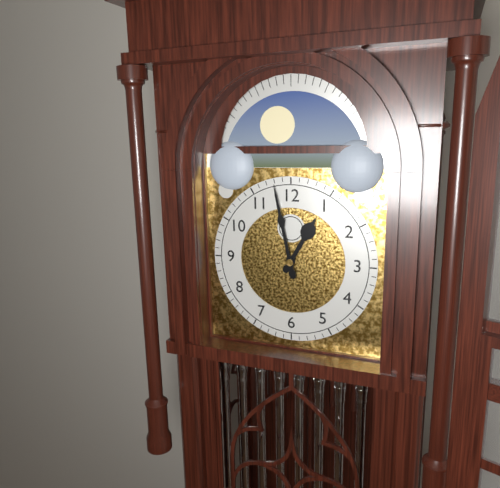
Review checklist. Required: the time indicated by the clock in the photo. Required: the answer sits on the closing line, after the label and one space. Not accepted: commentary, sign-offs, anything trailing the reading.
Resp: 12:58
